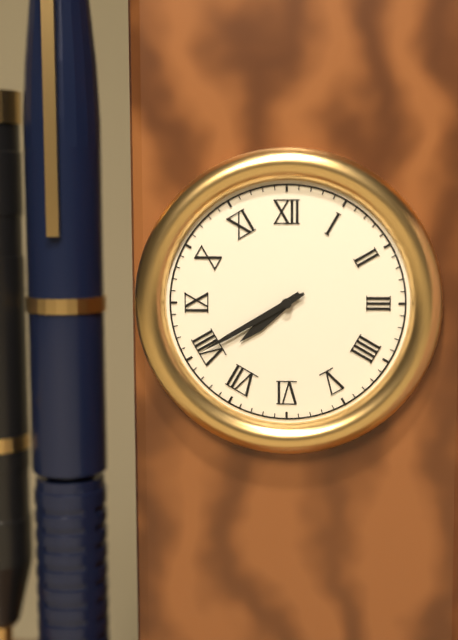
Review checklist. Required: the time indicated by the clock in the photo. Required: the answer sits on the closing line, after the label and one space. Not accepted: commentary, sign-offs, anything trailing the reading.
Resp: 7:40
